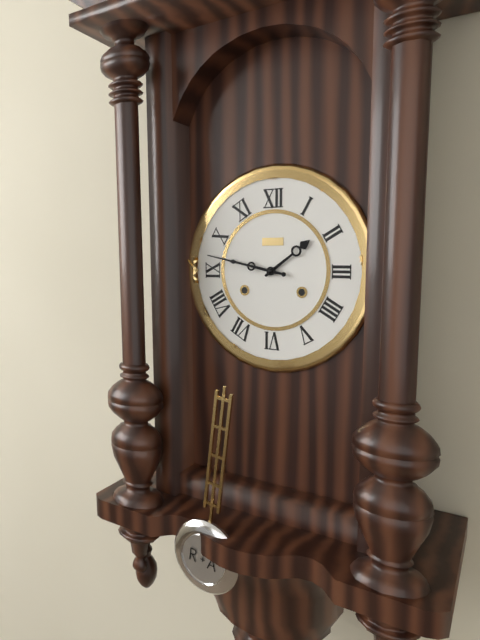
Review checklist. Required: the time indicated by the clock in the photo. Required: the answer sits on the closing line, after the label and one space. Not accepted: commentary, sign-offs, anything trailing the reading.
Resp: 1:47
